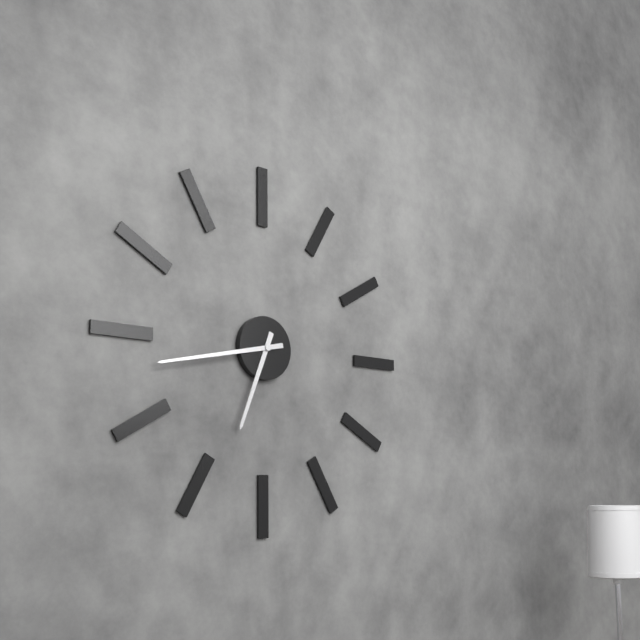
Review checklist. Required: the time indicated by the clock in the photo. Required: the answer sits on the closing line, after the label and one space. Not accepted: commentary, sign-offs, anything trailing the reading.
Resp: 6:43
